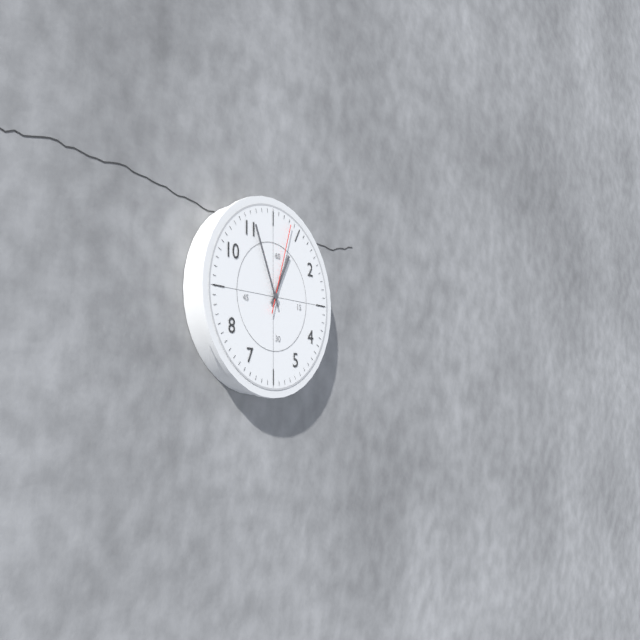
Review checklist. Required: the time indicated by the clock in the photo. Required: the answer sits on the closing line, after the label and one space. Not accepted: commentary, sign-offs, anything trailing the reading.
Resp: 12:56:03
